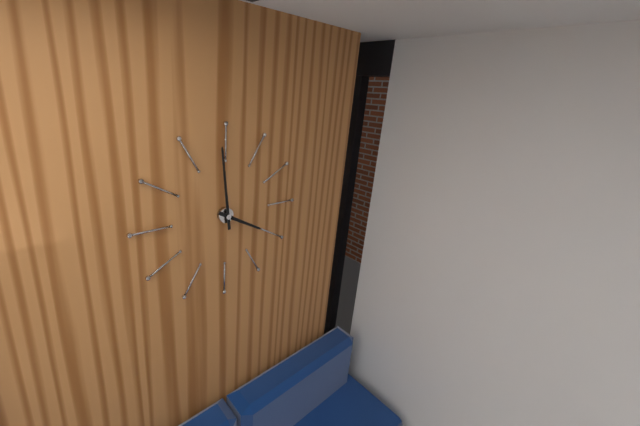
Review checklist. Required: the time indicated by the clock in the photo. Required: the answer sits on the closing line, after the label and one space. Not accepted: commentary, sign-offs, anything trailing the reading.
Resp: 3:59
